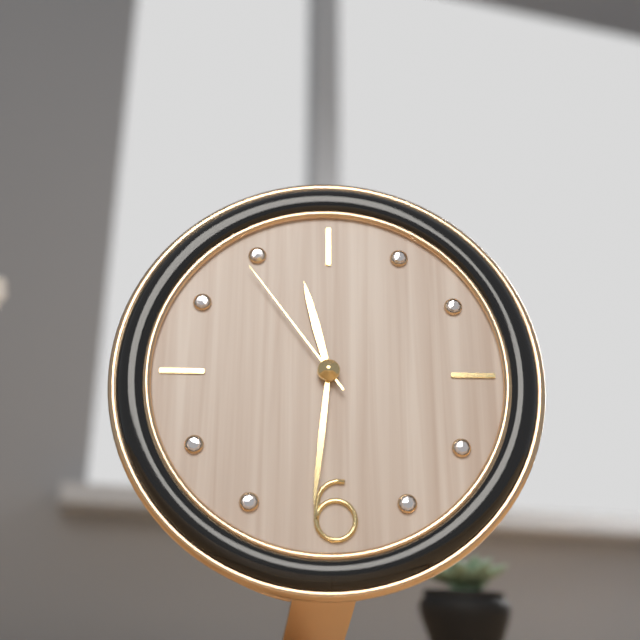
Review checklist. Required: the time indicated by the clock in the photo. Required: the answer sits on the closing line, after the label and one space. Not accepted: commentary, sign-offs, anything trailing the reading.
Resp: 11:31:54
